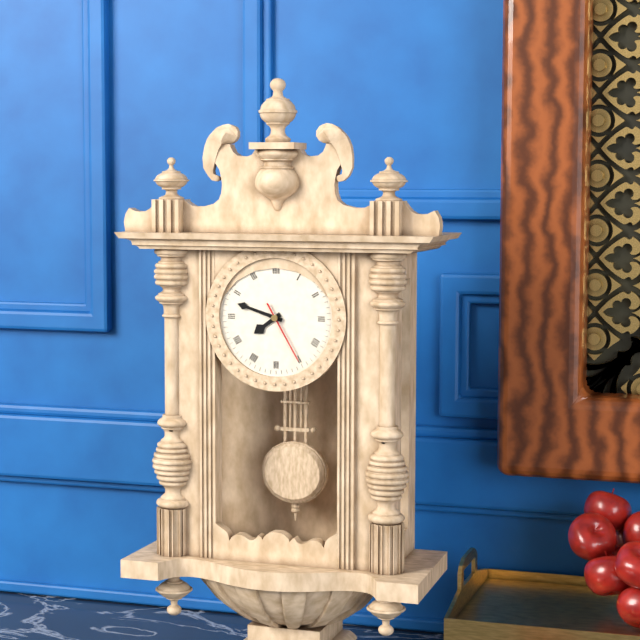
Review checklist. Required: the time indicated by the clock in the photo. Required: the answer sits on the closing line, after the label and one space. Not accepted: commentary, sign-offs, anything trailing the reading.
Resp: 7:48:25
